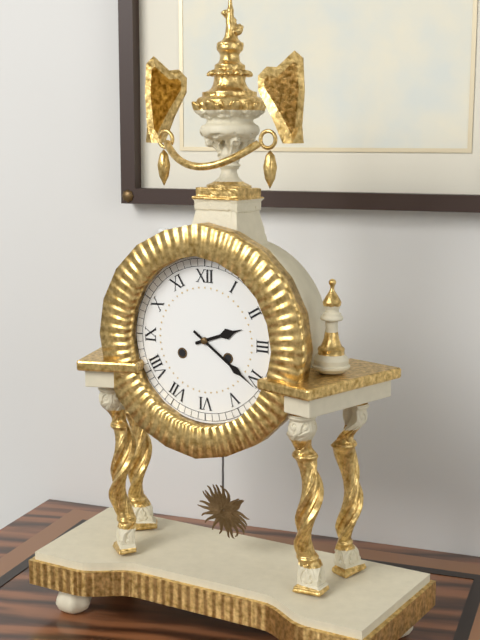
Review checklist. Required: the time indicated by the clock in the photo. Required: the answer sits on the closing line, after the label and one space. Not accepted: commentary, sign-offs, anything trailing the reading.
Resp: 2:21
